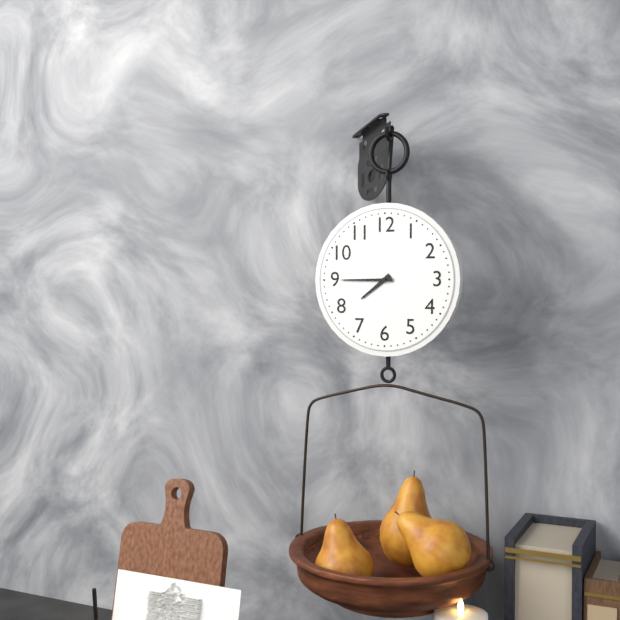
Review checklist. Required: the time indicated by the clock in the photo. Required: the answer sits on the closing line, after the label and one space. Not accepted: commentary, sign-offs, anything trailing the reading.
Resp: 7:45
